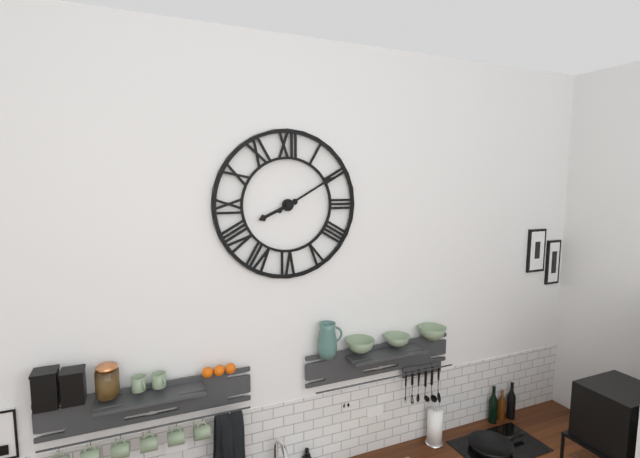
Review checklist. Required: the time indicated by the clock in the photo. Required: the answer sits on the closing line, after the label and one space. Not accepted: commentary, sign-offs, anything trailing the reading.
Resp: 8:10
